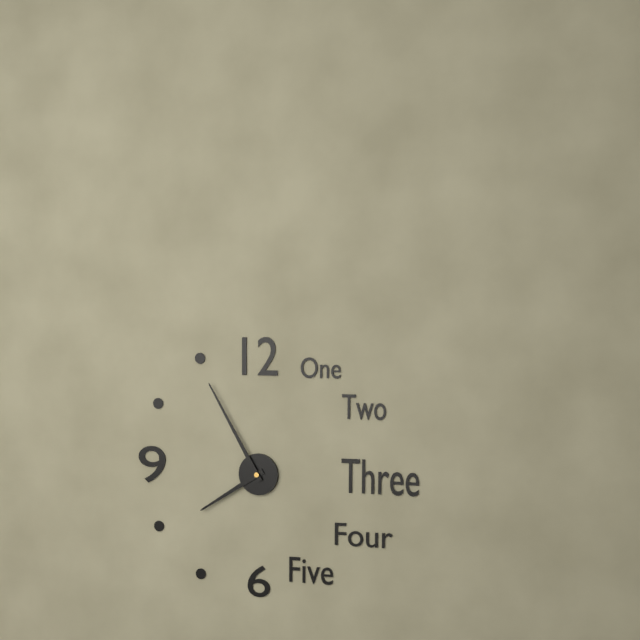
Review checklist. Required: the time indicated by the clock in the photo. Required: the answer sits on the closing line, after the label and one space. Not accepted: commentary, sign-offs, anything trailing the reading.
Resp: 7:55
